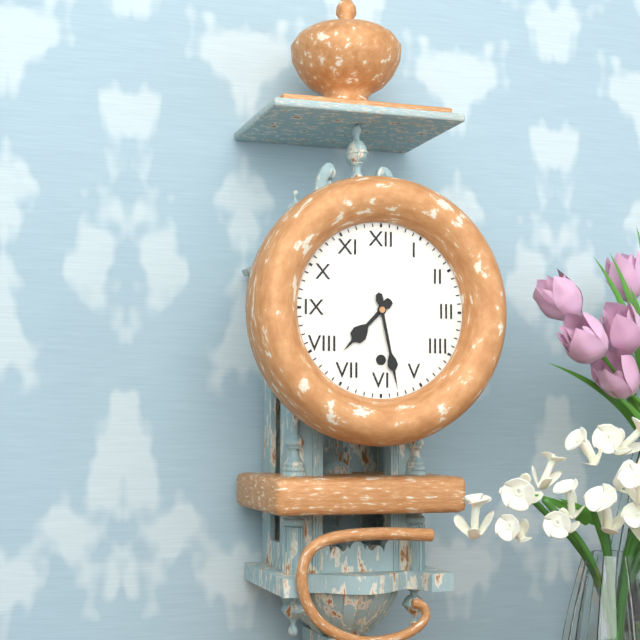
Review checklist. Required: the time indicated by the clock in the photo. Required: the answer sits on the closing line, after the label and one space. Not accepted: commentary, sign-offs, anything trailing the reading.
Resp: 7:28
